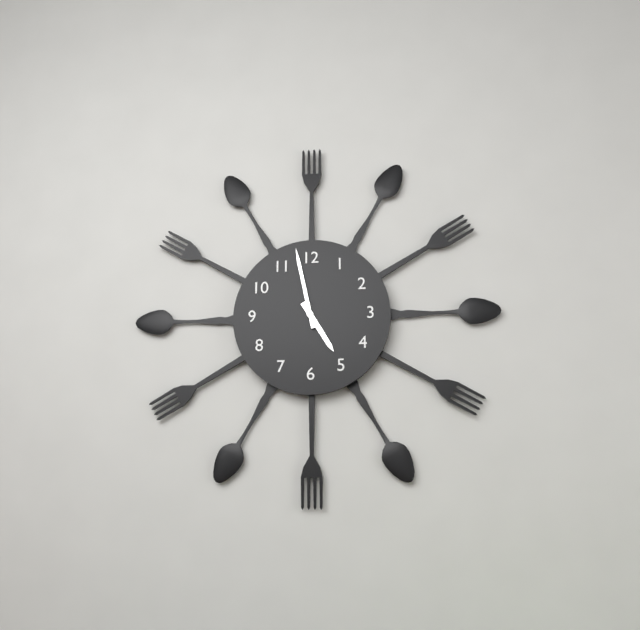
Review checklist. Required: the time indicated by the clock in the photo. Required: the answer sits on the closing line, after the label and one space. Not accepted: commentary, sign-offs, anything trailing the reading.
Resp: 4:58
